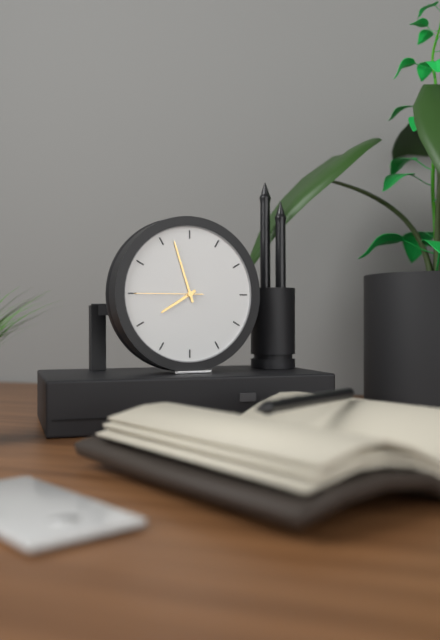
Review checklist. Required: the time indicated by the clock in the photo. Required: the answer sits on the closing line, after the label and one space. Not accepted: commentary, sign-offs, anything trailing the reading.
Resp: 7:57:45
